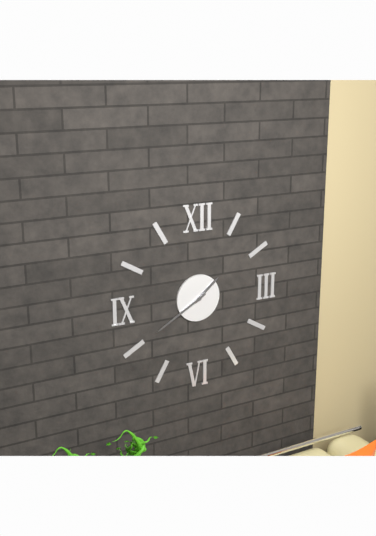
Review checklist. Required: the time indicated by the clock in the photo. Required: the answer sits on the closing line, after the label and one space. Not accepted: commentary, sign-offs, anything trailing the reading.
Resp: 1:40
